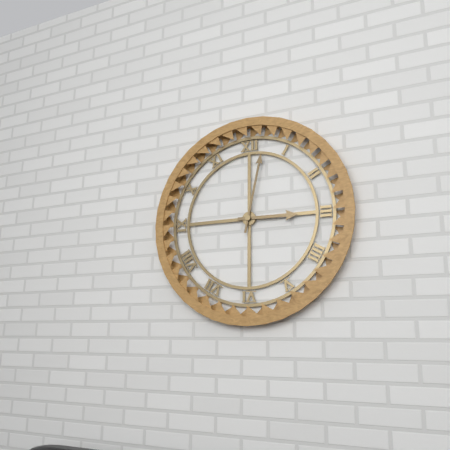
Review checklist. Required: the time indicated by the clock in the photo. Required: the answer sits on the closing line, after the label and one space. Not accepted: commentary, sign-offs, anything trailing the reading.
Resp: 3:02
